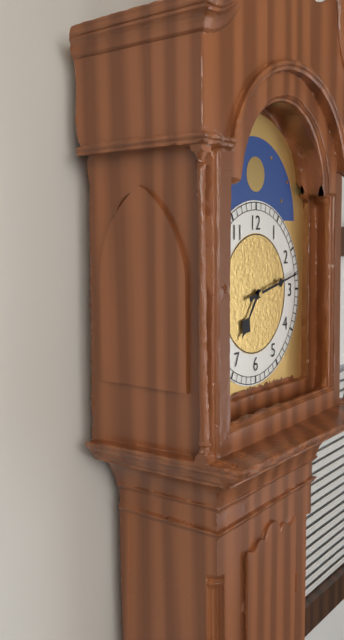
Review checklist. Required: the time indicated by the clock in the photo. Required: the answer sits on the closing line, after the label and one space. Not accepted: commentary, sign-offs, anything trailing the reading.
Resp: 7:13
